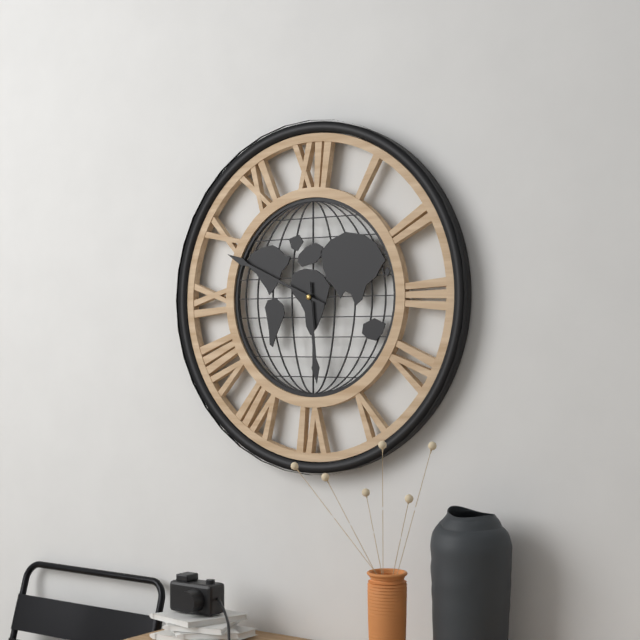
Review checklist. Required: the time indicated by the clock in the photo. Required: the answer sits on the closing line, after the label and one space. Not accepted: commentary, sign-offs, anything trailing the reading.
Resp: 5:49
